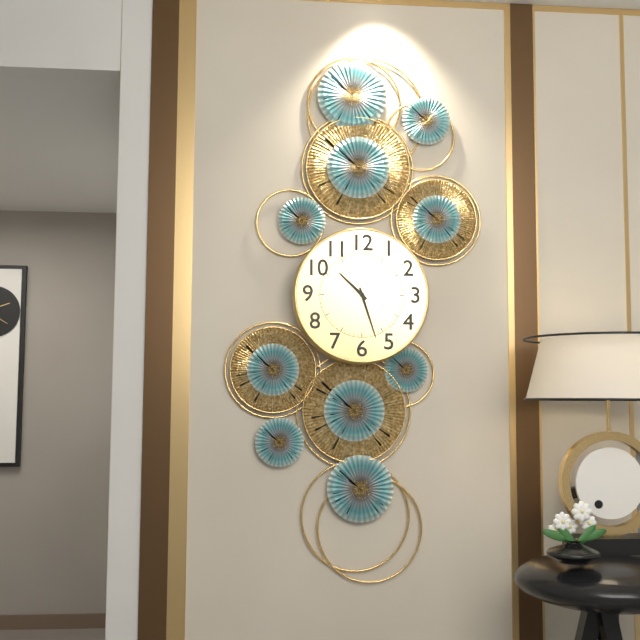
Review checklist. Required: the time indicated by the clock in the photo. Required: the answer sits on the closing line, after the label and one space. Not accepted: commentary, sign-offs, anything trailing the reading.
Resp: 10:27
